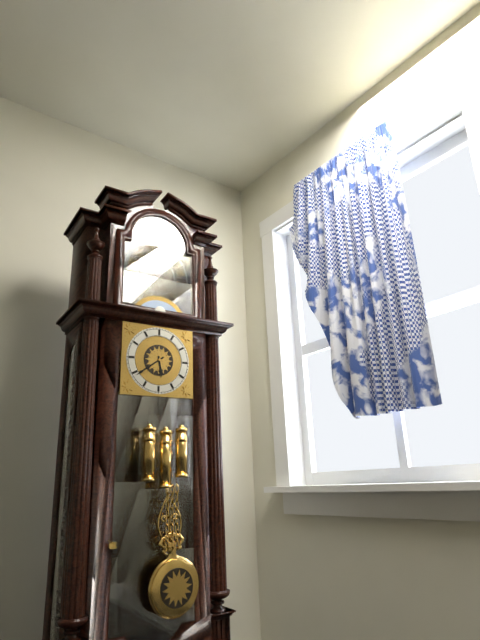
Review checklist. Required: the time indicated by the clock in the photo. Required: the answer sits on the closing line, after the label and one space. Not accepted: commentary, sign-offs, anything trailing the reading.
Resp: 5:39
